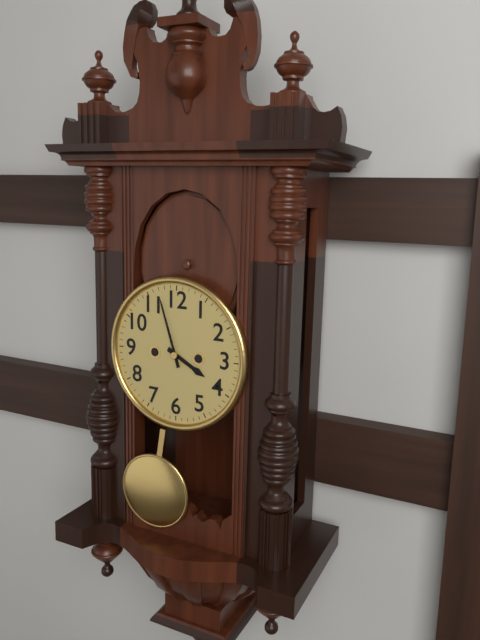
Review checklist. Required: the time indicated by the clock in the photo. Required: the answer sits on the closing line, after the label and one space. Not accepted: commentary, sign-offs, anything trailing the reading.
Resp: 3:57
